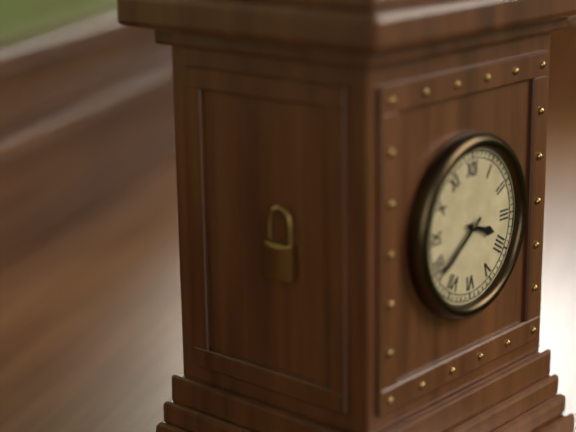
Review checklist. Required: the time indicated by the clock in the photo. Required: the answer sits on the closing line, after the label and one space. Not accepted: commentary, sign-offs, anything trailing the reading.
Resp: 3:39
